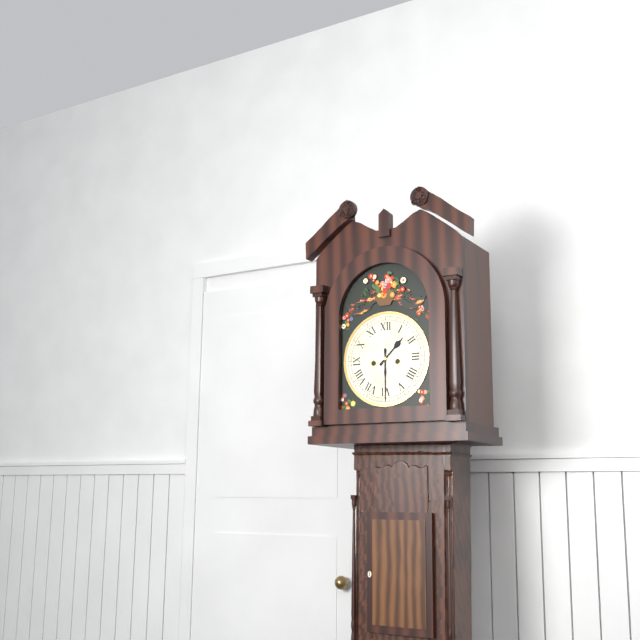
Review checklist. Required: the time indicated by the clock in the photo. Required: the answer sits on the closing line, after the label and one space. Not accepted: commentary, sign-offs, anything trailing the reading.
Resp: 1:30
